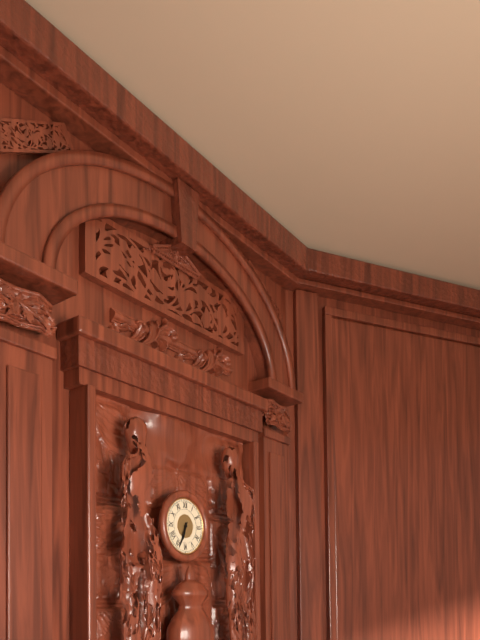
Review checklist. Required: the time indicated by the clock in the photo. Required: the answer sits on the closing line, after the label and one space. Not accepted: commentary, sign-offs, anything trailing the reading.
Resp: 6:34
